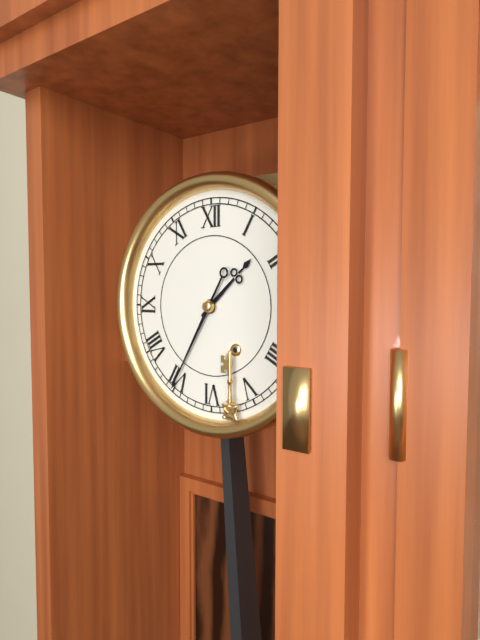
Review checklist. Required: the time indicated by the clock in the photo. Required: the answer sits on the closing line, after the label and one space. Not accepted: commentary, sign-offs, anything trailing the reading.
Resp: 1:35
